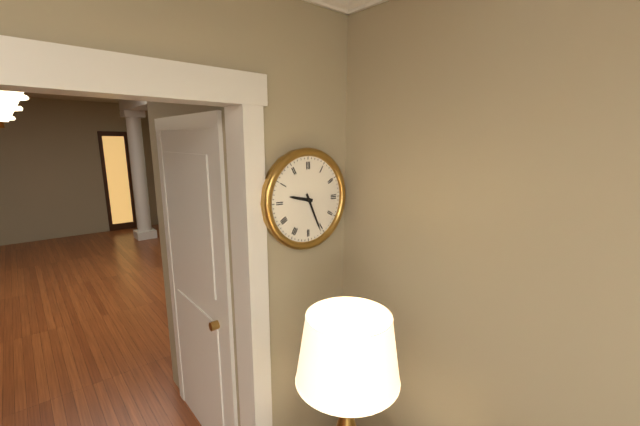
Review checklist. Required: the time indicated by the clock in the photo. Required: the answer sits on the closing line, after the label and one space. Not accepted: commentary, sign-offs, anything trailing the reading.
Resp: 9:26
